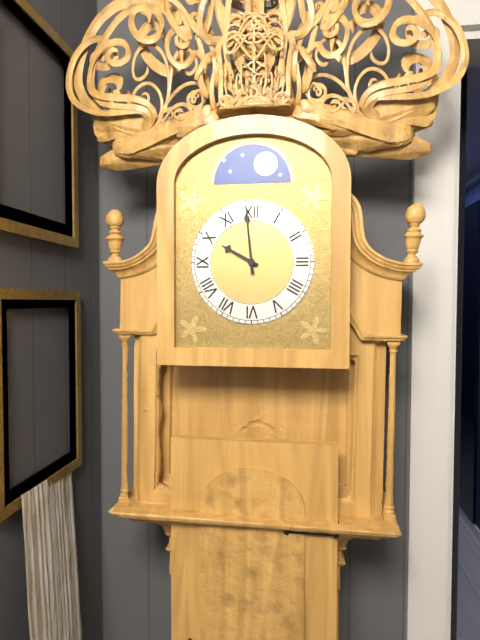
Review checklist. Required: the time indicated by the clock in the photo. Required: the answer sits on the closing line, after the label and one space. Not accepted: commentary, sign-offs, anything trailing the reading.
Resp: 9:59
